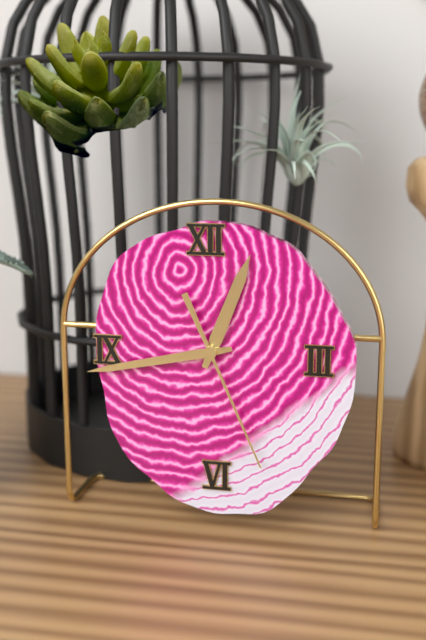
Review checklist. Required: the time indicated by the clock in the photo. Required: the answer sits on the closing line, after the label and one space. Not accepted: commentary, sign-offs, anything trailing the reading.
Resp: 12:43:26
